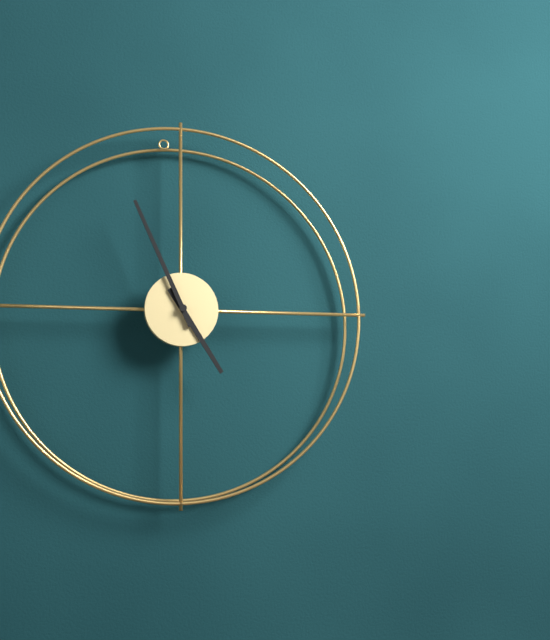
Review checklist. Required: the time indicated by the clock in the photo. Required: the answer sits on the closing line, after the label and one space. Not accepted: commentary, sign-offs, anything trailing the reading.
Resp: 4:56
